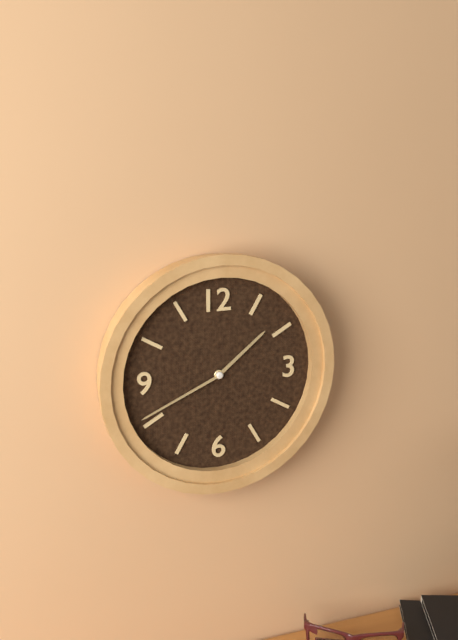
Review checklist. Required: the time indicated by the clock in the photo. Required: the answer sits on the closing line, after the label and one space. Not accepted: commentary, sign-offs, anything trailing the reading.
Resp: 1:41
